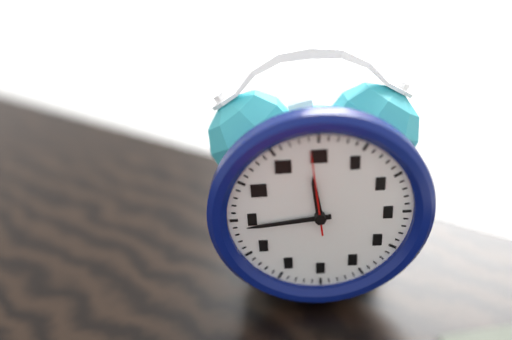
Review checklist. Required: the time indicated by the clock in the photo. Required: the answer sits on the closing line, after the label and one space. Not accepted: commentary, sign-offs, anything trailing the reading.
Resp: 11:44:59
